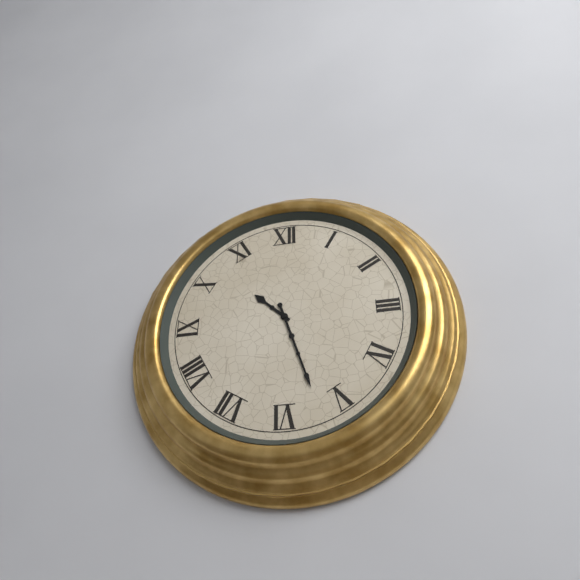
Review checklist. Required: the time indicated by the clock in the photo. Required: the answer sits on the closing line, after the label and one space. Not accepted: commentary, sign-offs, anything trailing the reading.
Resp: 10:27
